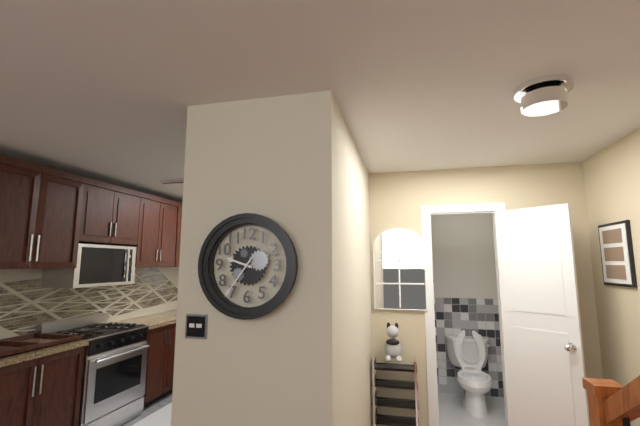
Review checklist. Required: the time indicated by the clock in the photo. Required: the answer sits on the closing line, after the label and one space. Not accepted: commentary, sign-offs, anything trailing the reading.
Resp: 9:36
